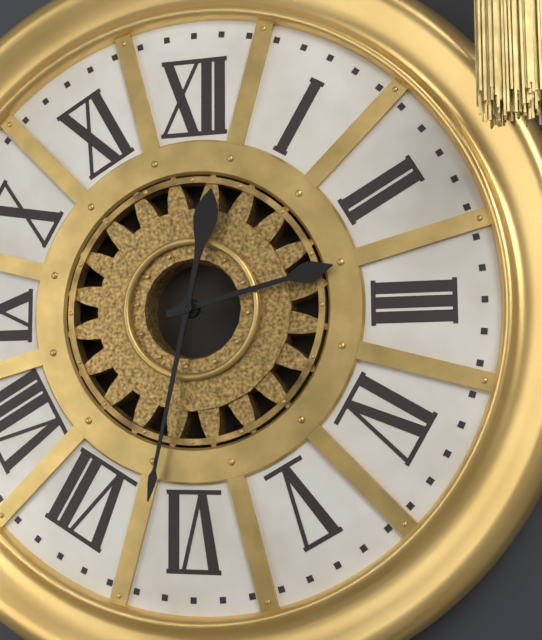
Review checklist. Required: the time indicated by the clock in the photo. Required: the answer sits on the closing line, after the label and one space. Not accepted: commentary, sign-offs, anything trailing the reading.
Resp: 2:32
